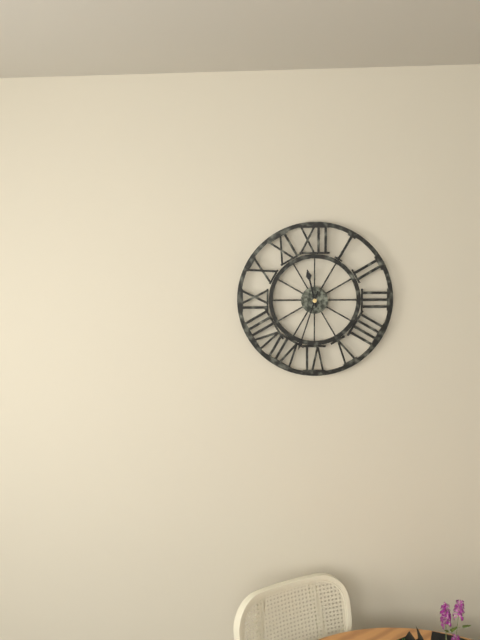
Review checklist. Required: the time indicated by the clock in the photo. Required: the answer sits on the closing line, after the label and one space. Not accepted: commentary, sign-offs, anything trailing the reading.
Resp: 11:33
